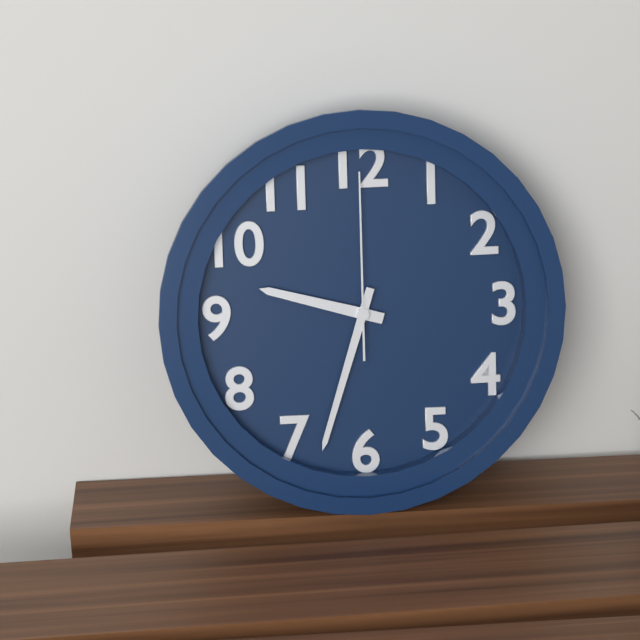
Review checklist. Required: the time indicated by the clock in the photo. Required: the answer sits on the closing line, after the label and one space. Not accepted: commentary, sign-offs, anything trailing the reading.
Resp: 9:33:00
